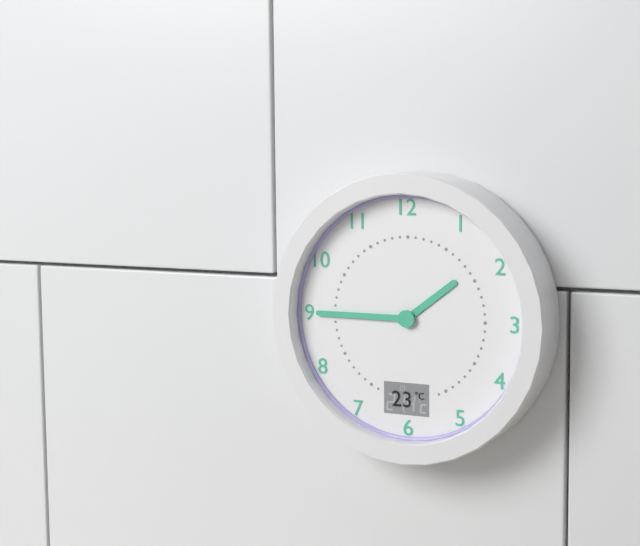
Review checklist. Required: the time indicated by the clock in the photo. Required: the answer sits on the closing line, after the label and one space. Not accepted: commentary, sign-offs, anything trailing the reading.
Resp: 1:45
